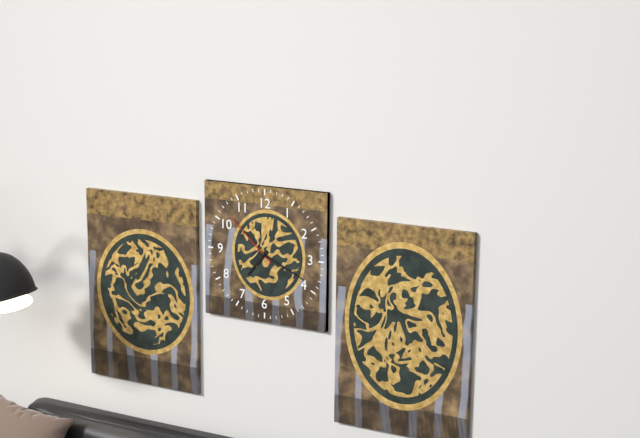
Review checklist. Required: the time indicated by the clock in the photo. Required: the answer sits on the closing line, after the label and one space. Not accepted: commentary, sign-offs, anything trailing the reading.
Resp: 7:19:52
